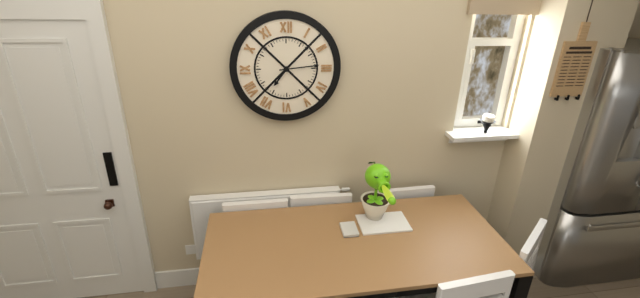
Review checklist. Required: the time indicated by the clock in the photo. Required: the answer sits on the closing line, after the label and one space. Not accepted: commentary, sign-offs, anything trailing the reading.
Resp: 7:14
